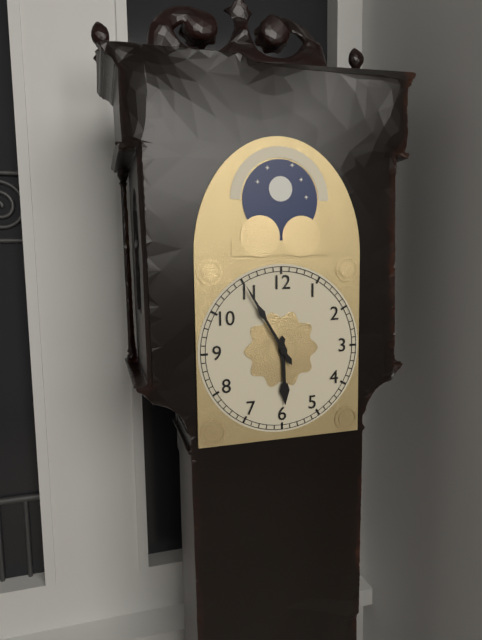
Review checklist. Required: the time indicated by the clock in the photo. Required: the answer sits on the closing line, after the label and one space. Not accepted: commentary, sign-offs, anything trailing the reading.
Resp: 5:55
